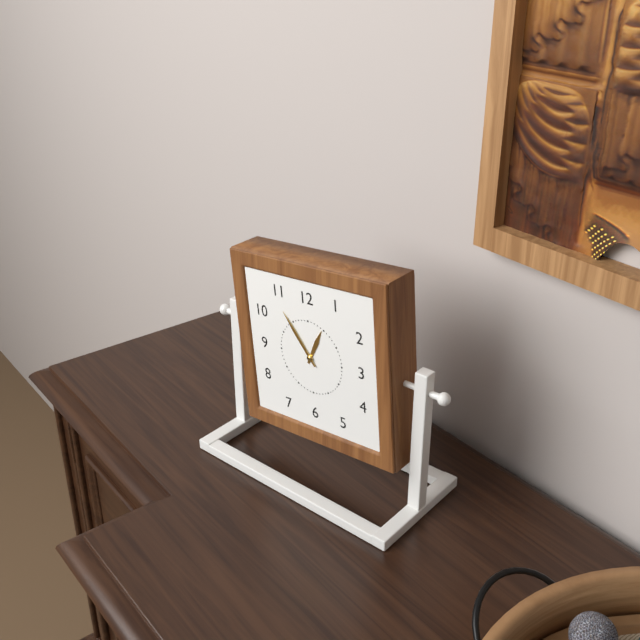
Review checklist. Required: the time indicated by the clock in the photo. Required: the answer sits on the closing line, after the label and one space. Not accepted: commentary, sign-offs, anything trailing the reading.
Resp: 12:54
